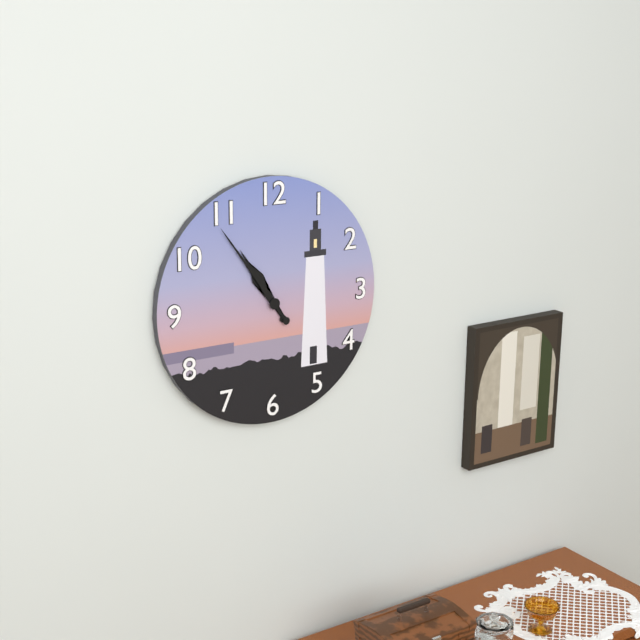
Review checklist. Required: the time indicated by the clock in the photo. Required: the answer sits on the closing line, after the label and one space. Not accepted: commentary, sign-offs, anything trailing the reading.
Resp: 10:54
